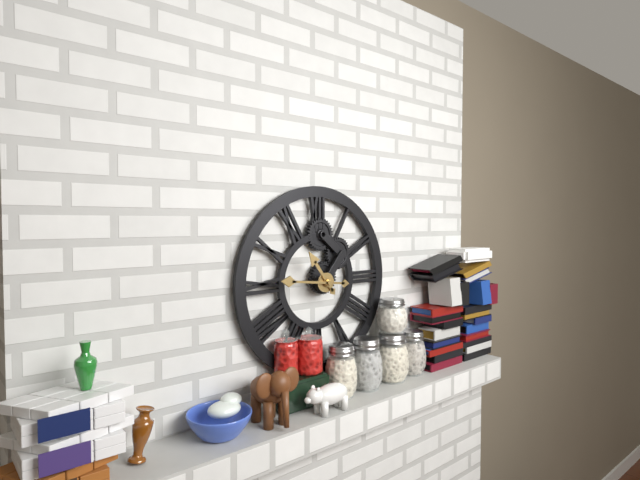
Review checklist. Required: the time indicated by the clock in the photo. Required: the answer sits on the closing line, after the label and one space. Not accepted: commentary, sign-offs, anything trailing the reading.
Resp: 10:46
